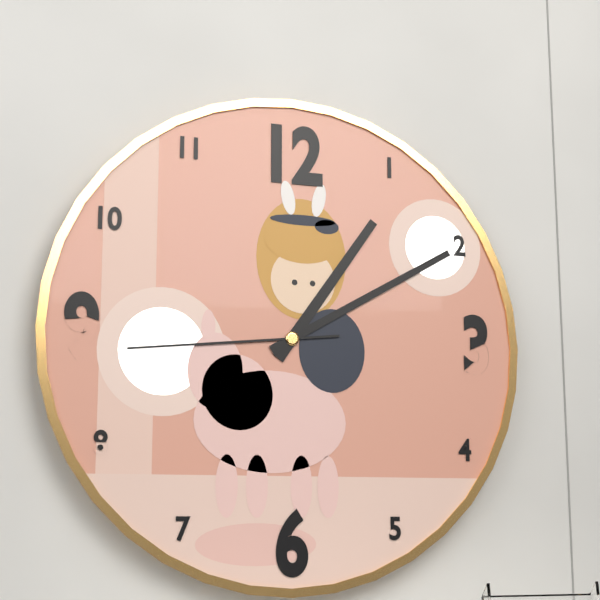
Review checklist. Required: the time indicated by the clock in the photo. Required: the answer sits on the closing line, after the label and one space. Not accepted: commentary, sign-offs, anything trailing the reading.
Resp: 1:10:44
